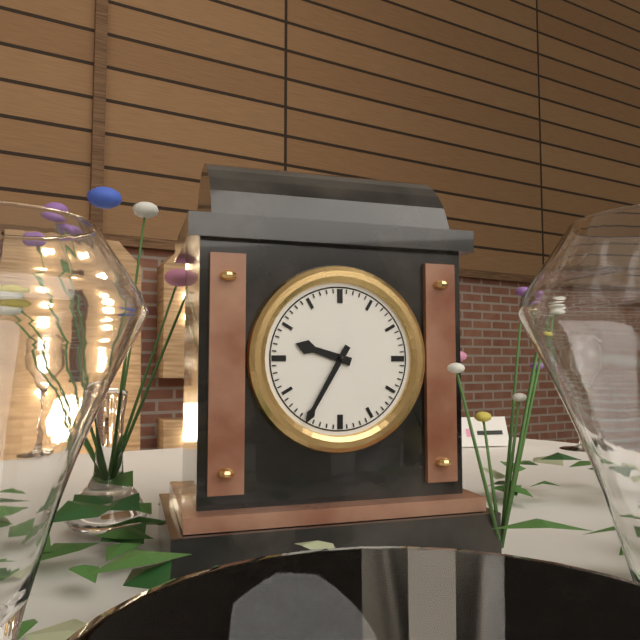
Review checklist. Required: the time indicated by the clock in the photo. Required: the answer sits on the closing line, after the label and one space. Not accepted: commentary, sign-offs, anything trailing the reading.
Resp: 9:35
